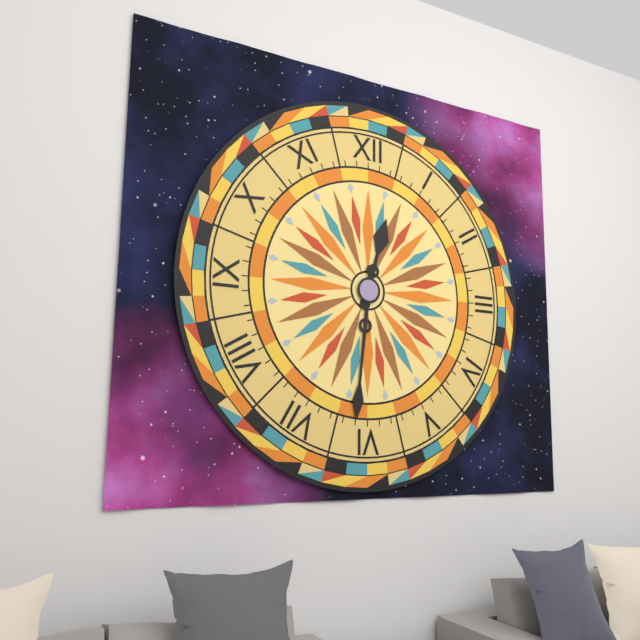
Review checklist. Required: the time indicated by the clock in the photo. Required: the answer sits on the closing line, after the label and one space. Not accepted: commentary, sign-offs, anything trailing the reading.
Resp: 12:31
